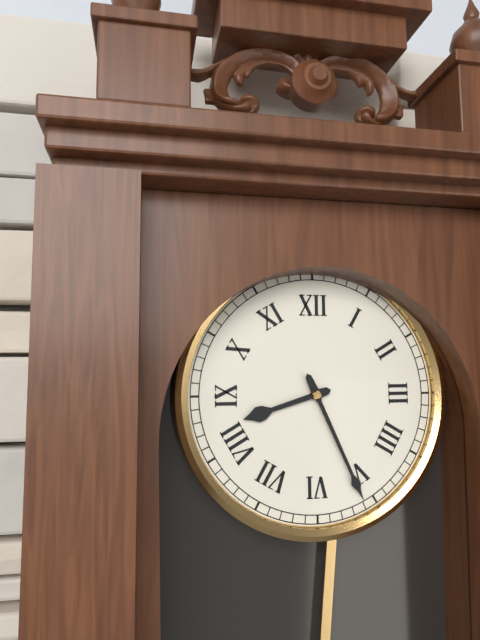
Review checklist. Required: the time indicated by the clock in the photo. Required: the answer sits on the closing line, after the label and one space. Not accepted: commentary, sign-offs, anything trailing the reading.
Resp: 8:26
